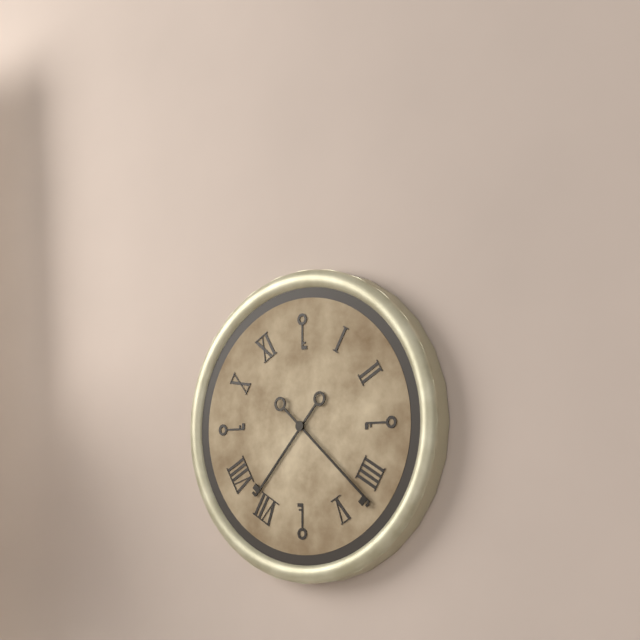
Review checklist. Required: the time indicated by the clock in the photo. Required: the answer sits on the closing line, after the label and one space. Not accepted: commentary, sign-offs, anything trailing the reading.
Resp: 7:22
